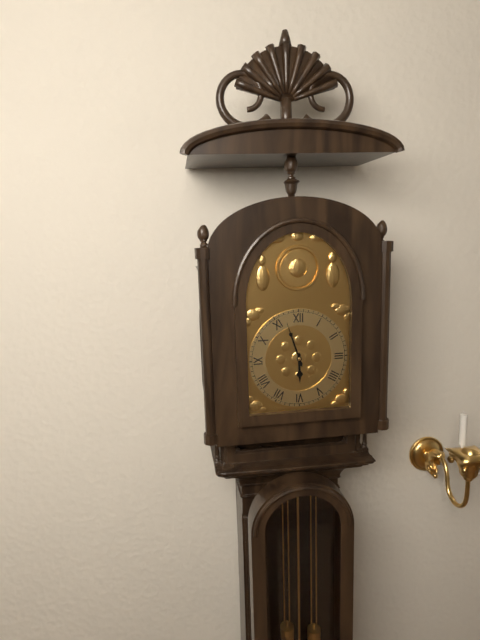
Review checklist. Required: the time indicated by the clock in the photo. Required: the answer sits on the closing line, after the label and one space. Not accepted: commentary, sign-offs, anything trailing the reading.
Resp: 5:57
